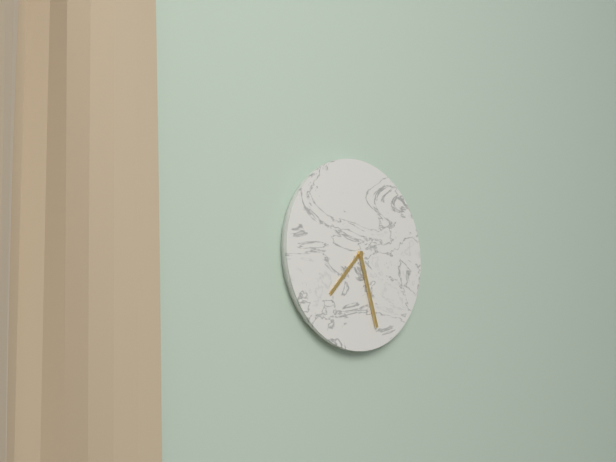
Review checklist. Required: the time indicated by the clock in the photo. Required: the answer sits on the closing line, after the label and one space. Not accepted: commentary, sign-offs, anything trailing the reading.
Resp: 7:27
